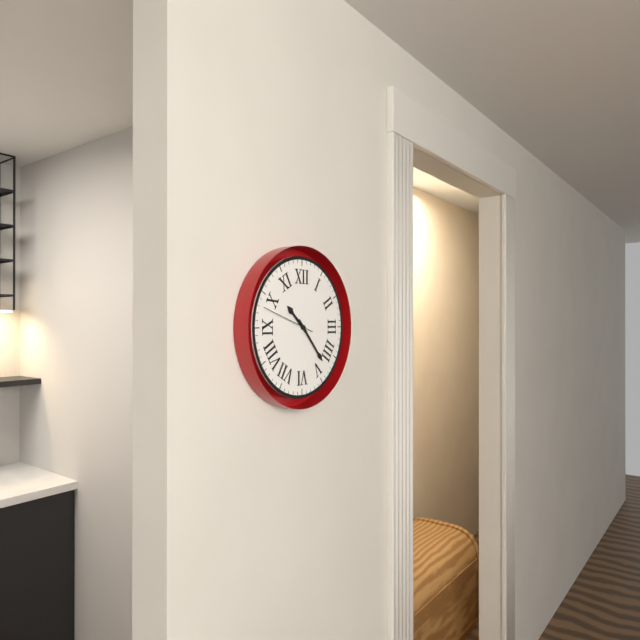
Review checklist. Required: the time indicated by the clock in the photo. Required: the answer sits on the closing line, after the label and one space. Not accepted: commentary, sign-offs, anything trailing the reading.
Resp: 10:23:48
